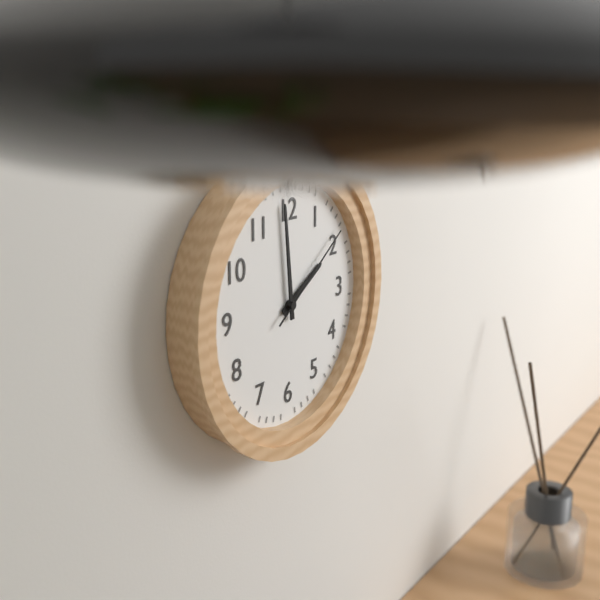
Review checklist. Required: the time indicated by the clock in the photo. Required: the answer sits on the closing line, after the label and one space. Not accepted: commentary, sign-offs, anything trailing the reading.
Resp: 1:59:09
